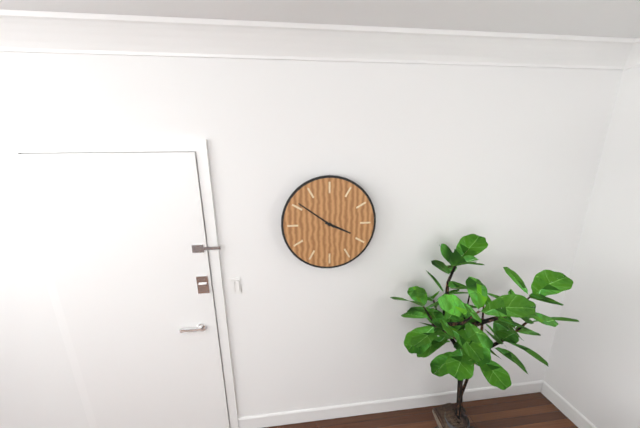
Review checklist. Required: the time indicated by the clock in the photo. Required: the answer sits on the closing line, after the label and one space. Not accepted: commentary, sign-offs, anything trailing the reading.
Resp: 3:51
